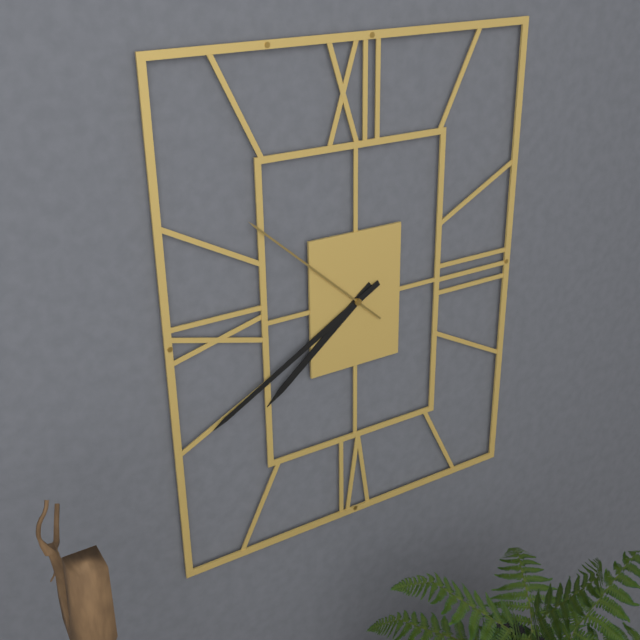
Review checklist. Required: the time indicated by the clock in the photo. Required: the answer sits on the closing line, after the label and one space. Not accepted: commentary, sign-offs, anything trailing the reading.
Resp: 7:40:52
